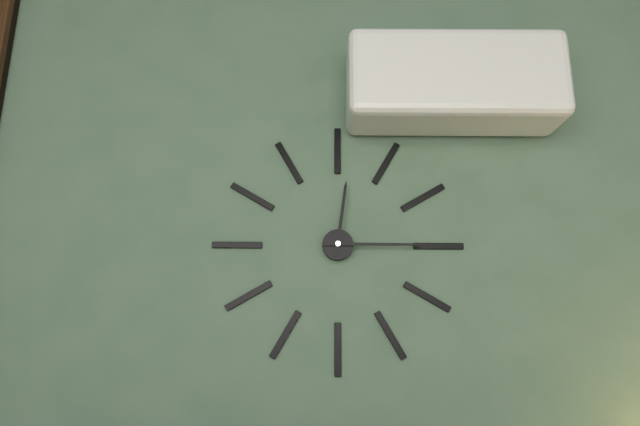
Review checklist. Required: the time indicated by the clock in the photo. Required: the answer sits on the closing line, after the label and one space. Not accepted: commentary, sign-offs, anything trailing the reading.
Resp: 12:15
